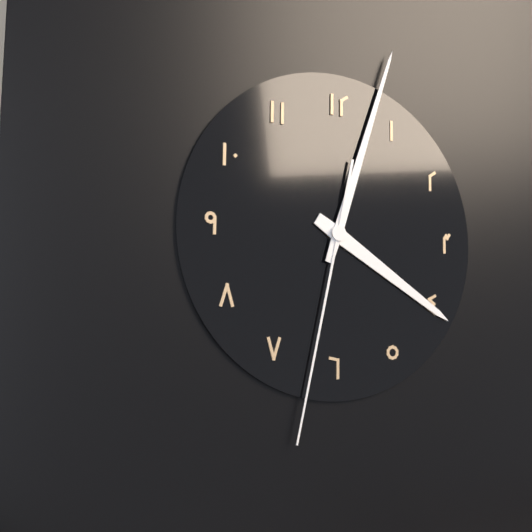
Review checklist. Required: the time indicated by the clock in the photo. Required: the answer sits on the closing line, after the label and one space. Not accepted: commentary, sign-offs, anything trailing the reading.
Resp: 4:03:32
